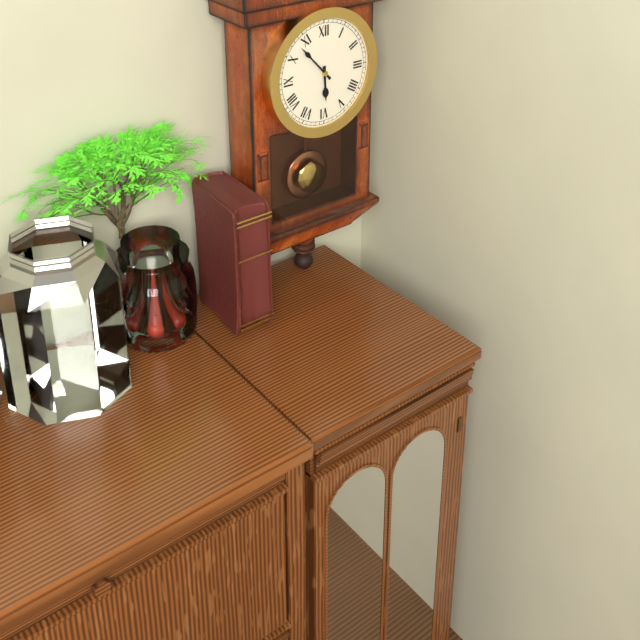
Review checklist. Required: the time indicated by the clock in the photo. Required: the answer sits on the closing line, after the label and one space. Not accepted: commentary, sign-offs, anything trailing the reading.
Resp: 5:53
